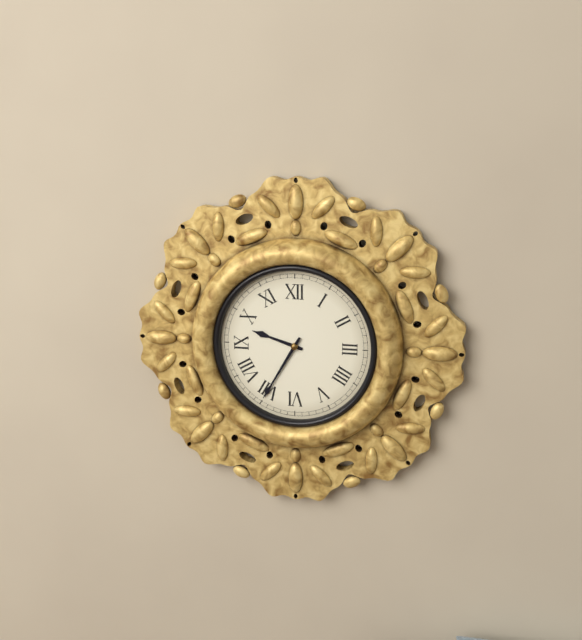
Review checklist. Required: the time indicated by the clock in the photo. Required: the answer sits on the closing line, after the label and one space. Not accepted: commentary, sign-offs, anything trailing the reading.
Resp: 9:35
